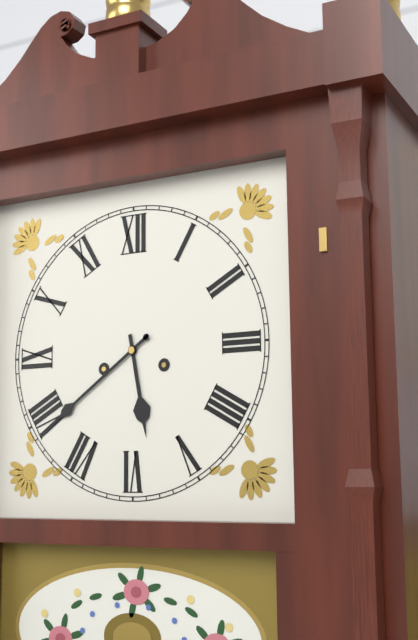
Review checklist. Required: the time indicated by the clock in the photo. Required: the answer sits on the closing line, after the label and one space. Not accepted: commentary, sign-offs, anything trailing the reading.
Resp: 5:39
